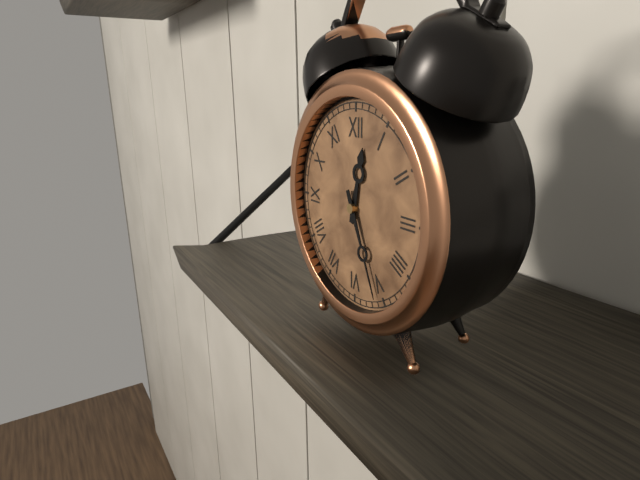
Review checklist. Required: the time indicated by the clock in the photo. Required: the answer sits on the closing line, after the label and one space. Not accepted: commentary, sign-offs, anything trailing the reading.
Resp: 12:26
